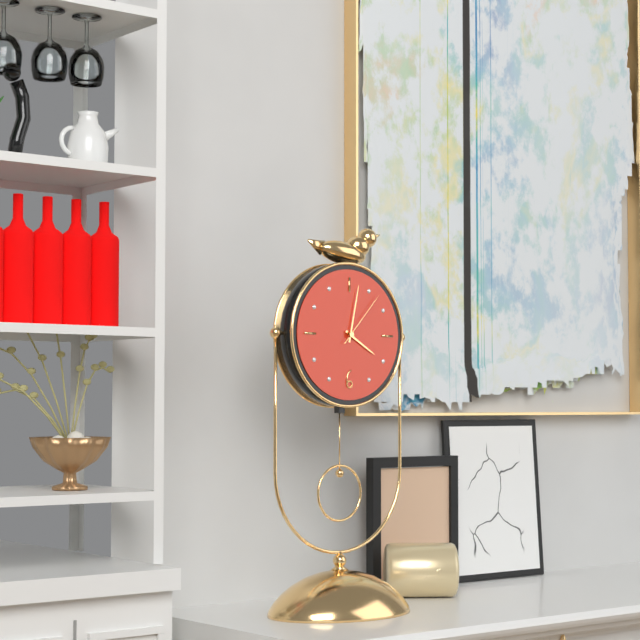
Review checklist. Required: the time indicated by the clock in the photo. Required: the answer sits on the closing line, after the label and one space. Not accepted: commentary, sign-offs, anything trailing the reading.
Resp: 4:02:07
